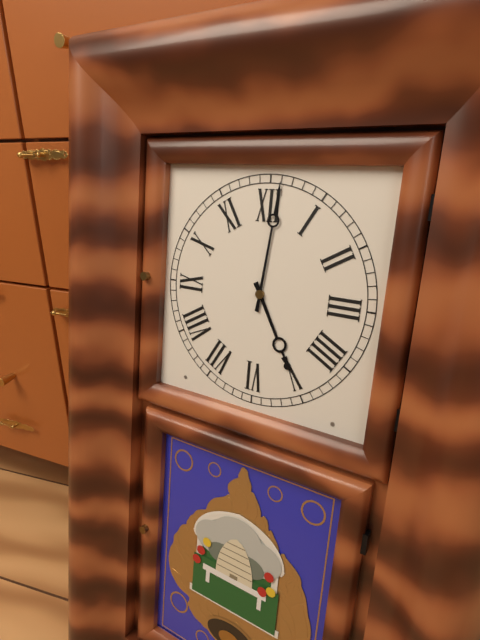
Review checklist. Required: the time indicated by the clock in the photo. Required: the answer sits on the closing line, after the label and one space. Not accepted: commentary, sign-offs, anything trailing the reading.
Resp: 5:01
